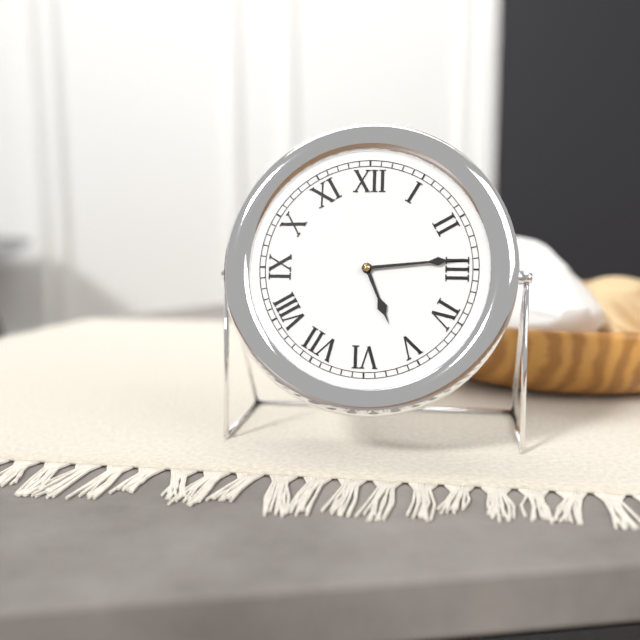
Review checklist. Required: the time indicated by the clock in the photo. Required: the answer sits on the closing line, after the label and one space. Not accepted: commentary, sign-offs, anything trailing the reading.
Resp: 5:14
